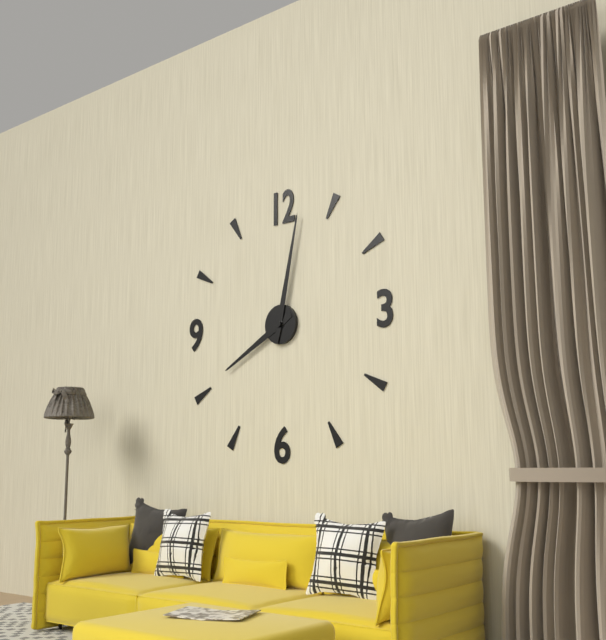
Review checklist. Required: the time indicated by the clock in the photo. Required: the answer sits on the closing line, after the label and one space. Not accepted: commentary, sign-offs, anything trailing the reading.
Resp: 8:02
